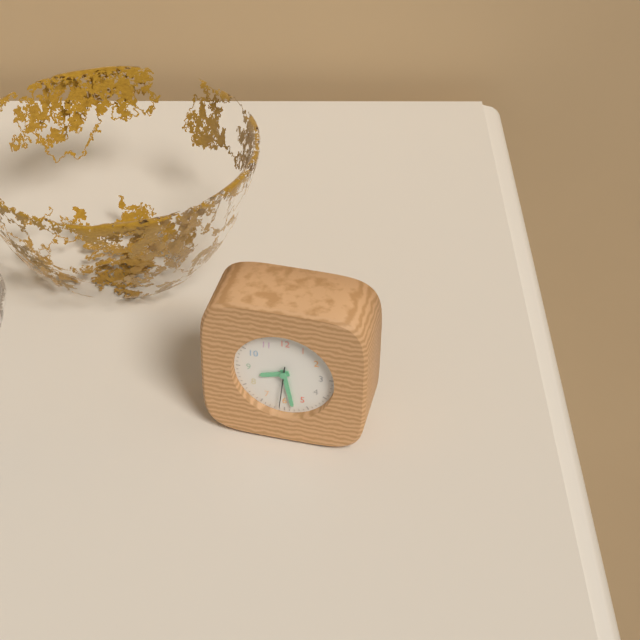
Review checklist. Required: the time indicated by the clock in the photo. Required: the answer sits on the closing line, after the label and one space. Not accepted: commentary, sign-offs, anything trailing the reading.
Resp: 8:28
